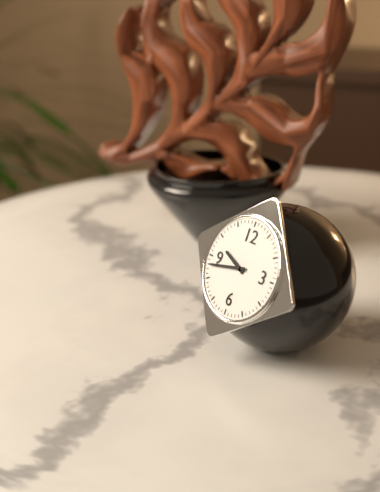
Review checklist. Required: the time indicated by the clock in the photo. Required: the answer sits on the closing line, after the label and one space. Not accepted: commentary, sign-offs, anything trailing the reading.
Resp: 9:43
